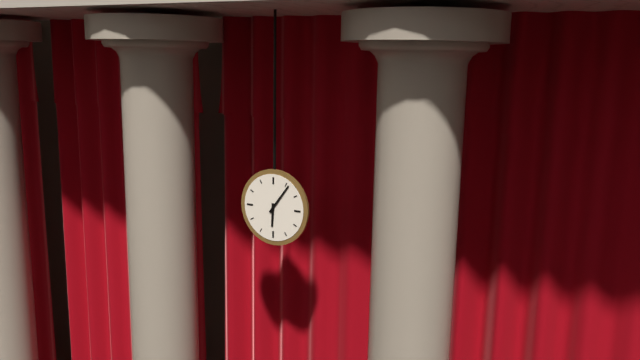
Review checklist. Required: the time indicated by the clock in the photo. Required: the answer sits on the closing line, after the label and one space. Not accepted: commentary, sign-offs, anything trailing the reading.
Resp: 6:06
